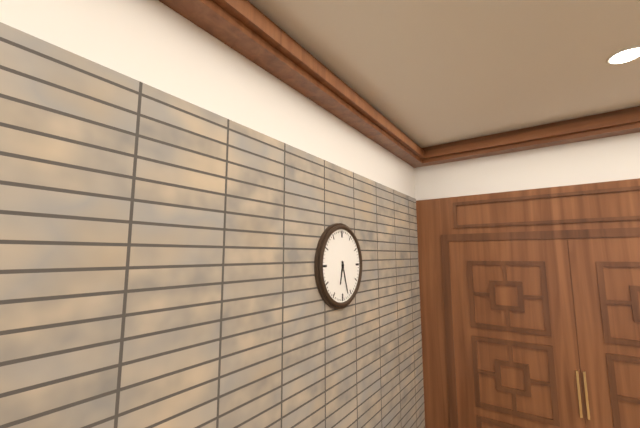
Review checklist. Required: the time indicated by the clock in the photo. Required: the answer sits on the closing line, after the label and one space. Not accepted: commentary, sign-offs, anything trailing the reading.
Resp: 6:27
